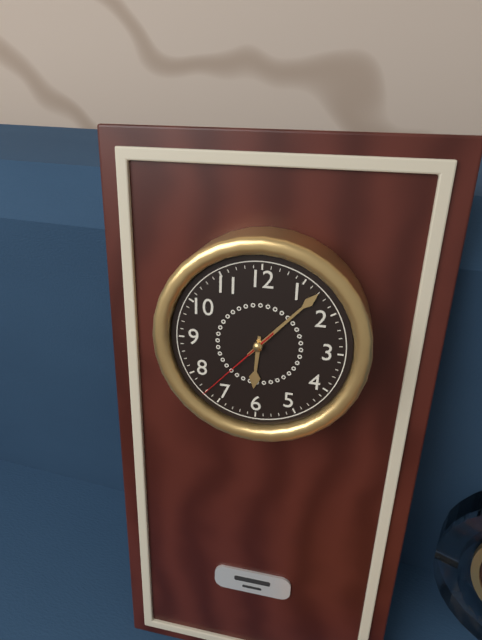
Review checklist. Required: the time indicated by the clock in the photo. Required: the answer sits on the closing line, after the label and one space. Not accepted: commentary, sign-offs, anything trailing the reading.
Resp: 6:07:37
